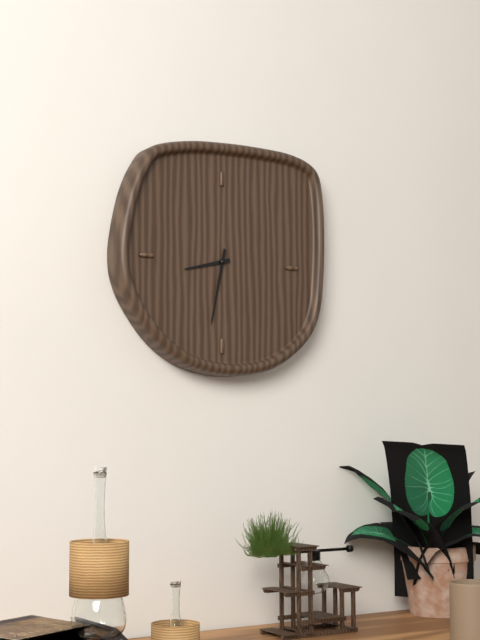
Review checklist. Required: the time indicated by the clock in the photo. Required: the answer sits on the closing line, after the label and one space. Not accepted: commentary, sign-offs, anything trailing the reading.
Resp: 8:32
